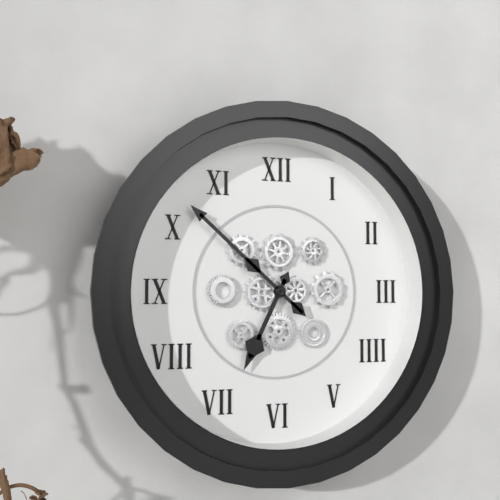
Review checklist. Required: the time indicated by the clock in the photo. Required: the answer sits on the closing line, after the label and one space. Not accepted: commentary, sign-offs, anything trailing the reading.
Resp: 6:52
